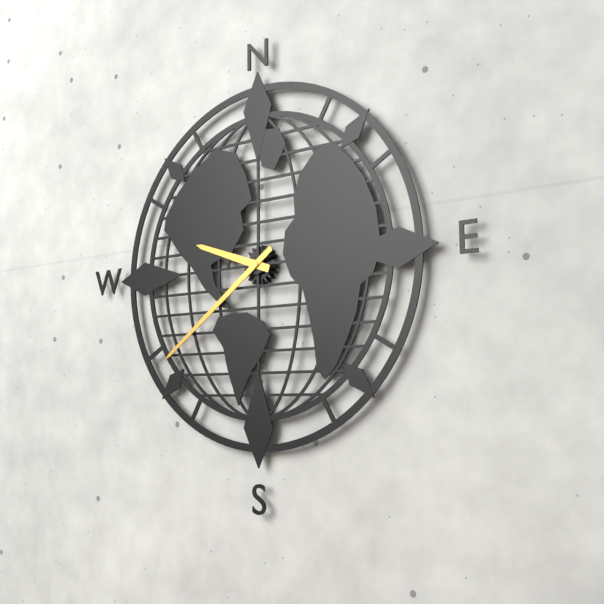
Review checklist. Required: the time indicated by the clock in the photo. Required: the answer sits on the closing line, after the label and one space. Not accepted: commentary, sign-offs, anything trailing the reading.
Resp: 9:39
